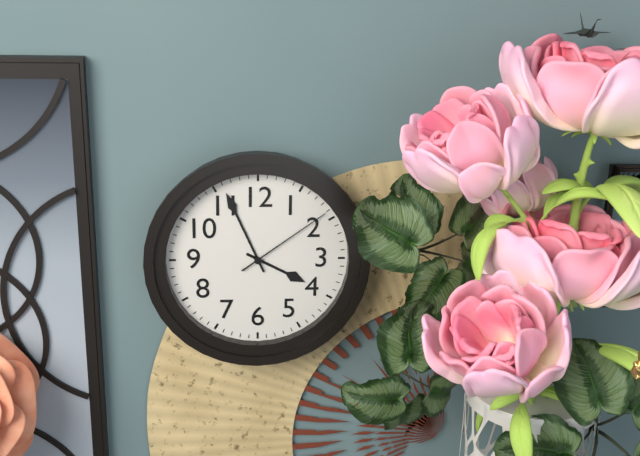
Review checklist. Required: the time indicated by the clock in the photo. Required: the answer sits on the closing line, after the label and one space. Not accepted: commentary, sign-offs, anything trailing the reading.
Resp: 3:56:09
